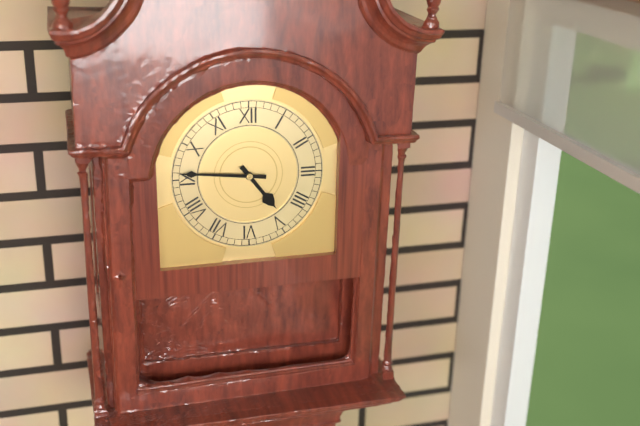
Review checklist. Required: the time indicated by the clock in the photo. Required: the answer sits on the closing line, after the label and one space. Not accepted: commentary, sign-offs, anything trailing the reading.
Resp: 4:46
